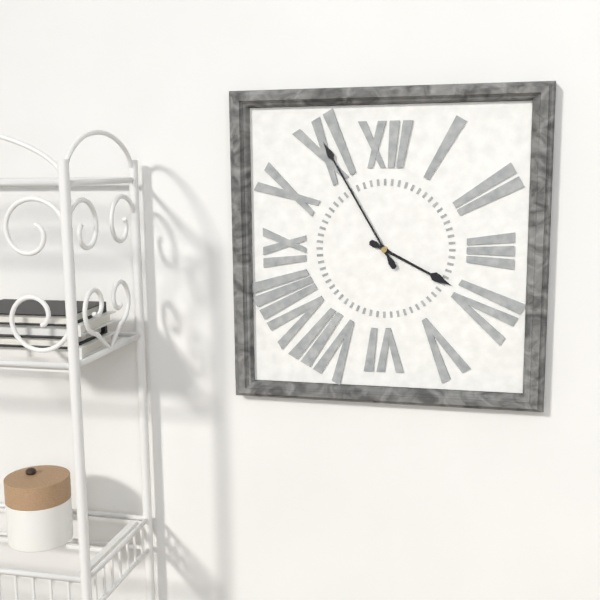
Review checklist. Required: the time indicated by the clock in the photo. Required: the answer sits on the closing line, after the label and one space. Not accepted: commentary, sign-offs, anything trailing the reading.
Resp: 3:55
